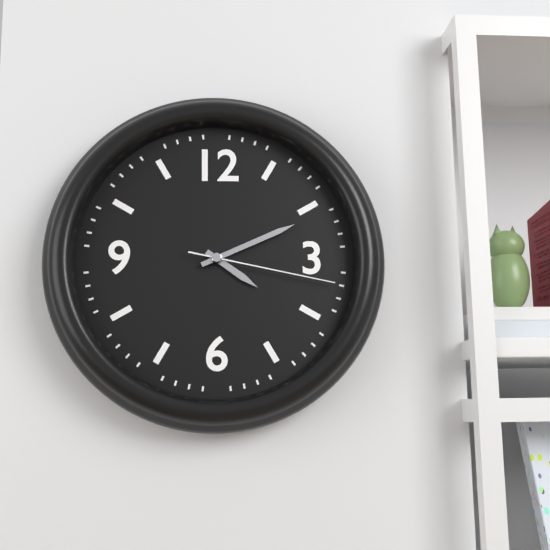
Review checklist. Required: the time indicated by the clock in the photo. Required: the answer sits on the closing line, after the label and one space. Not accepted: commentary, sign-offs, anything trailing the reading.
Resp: 4:11:17
